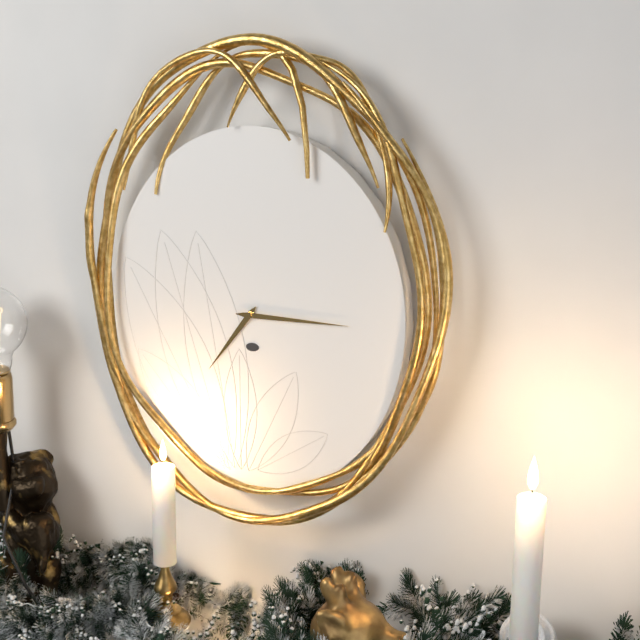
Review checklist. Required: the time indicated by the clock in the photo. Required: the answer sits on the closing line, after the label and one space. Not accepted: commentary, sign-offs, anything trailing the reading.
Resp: 7:15
